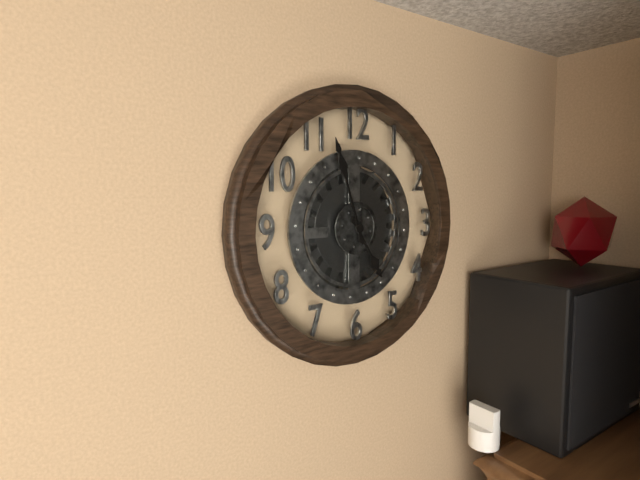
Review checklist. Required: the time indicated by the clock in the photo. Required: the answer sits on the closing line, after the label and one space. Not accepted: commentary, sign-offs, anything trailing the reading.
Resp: 4:57
